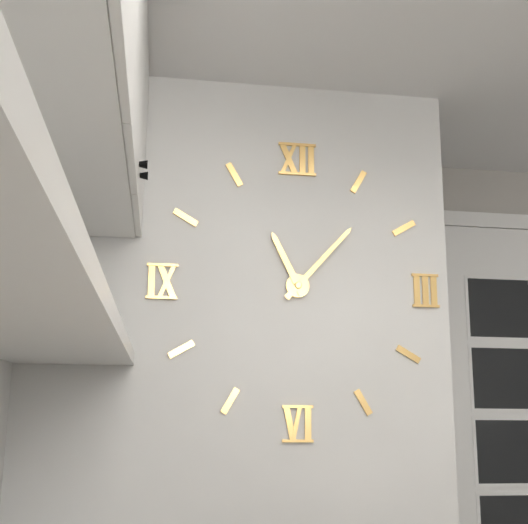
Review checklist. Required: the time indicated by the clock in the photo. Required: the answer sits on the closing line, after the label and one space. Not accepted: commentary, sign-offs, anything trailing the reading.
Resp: 11:07
